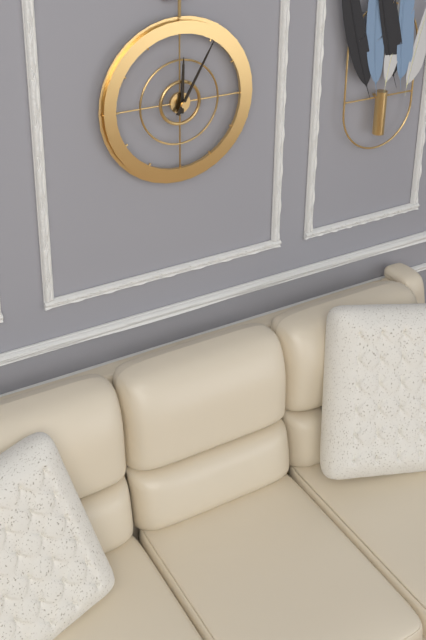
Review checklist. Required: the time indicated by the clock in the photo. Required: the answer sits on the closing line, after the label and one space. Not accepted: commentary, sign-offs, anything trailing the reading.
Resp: 12:05
